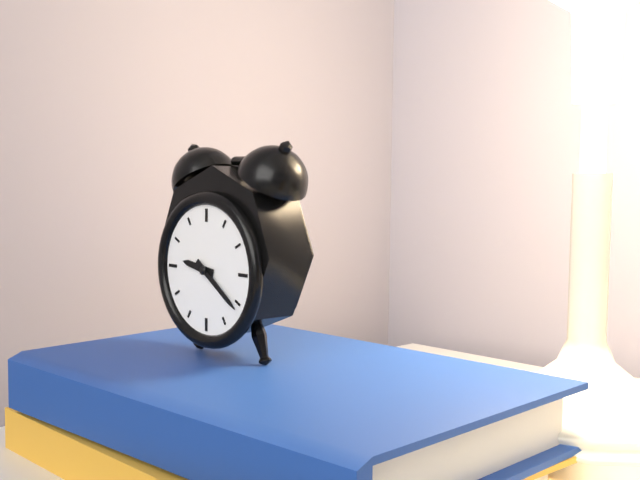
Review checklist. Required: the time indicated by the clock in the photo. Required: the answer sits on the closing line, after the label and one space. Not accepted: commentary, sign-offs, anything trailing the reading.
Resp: 9:21
